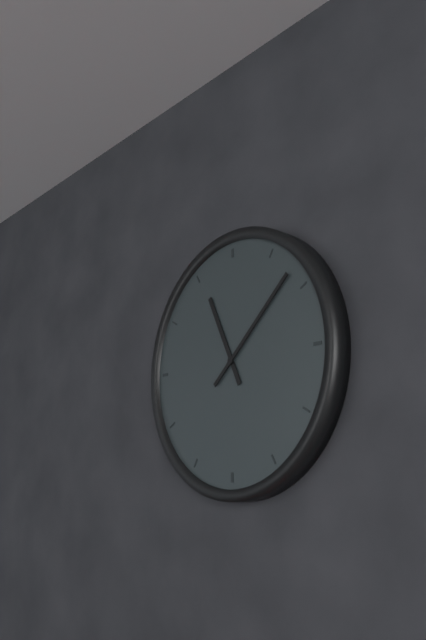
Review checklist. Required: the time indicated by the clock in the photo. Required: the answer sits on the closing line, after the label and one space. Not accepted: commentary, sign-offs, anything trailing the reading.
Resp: 11:08
